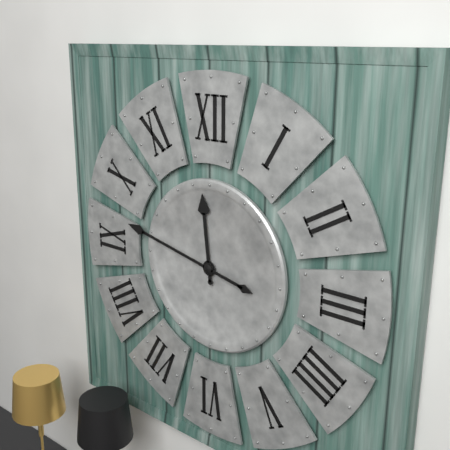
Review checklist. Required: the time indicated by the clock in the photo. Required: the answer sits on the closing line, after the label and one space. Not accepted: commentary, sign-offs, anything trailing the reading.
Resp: 11:47
